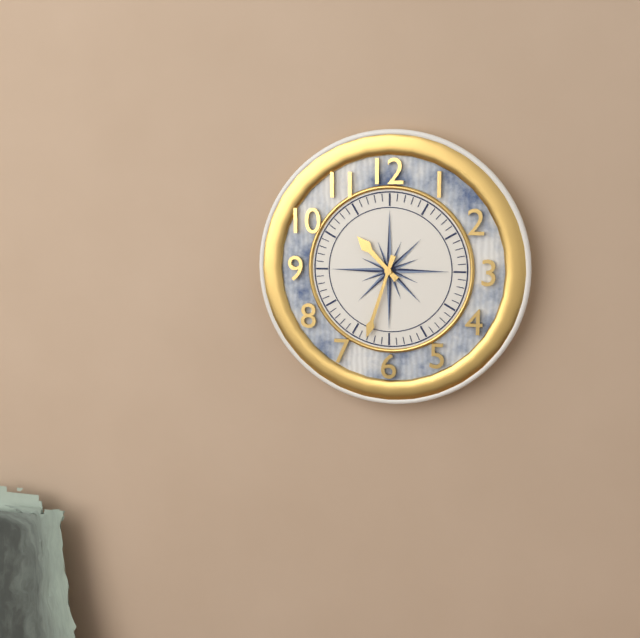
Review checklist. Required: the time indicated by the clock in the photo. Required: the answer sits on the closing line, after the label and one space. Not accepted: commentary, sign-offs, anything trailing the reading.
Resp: 10:33
